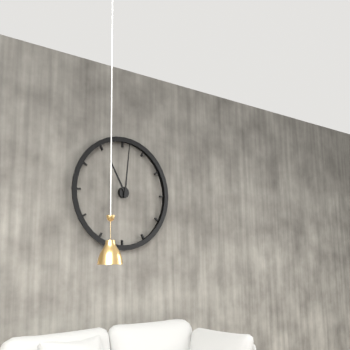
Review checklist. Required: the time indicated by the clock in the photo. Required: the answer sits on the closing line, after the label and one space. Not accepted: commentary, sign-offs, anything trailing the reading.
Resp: 11:01
